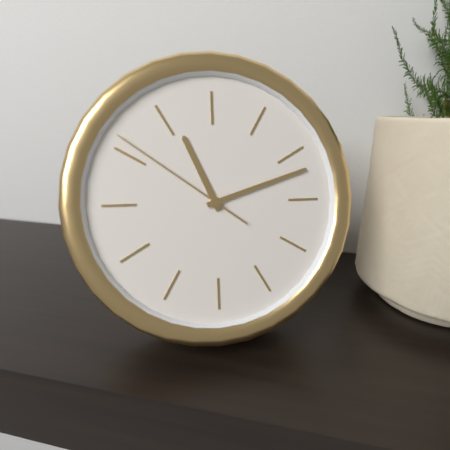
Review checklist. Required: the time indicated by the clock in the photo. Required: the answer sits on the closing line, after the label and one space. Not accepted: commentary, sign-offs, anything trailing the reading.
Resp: 11:12:51
